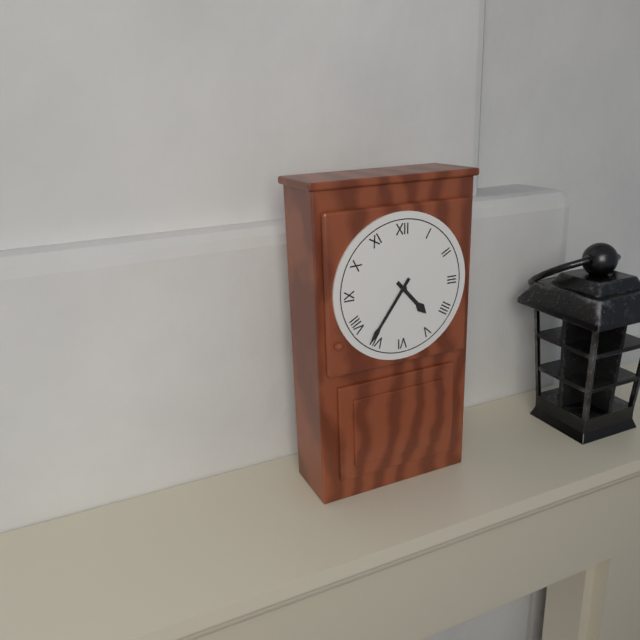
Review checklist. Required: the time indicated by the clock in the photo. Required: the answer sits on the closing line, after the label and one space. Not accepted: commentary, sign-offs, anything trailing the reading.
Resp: 4:36
